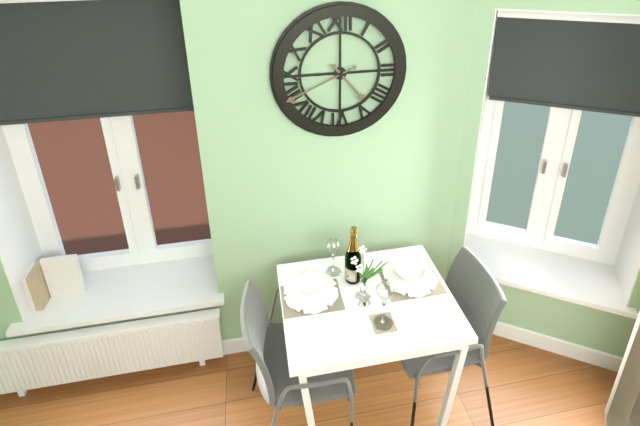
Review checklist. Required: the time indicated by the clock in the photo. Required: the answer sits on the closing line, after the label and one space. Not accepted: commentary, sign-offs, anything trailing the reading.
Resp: 4:41
